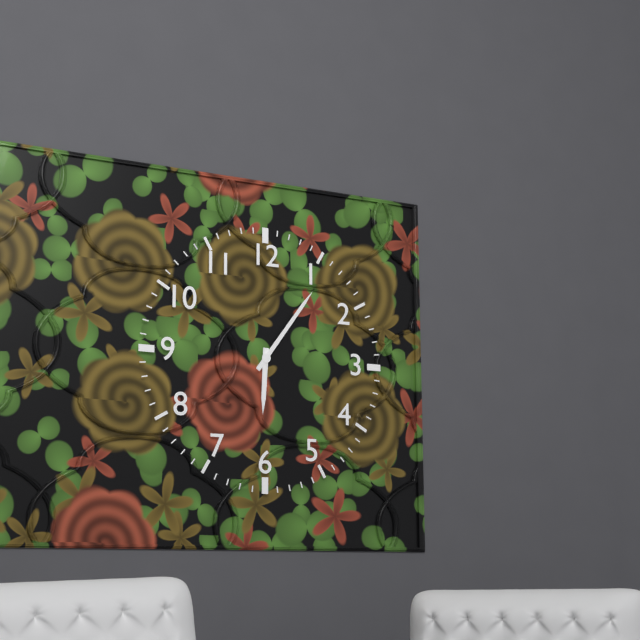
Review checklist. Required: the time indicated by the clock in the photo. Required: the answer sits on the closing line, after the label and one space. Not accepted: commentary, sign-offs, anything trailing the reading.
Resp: 6:06
